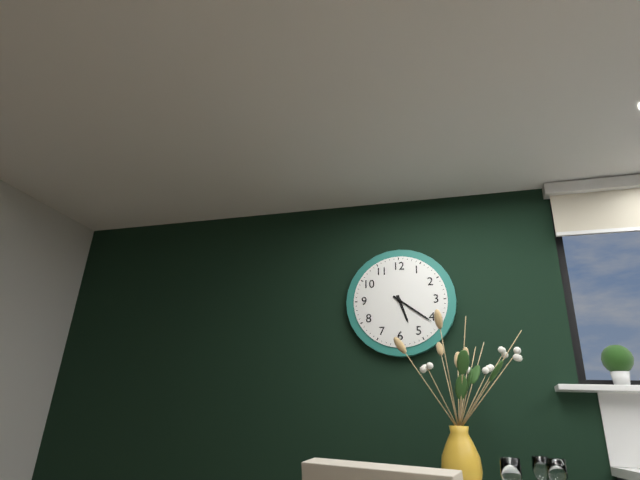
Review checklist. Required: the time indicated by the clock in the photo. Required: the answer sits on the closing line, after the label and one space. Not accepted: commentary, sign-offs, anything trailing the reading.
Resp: 5:21
